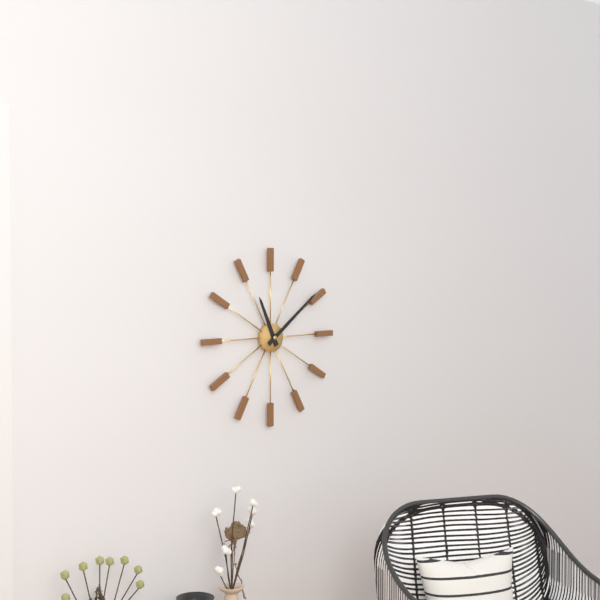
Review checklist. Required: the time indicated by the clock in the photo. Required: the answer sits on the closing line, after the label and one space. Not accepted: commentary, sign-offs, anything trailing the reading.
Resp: 11:09
